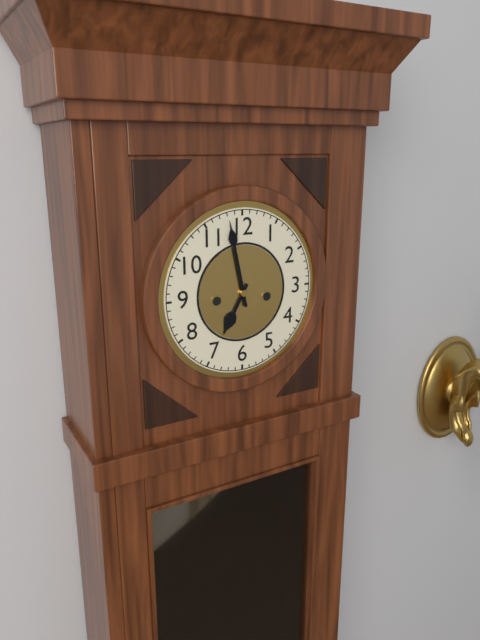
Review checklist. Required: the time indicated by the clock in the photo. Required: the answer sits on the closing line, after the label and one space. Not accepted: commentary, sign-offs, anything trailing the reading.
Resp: 6:58
